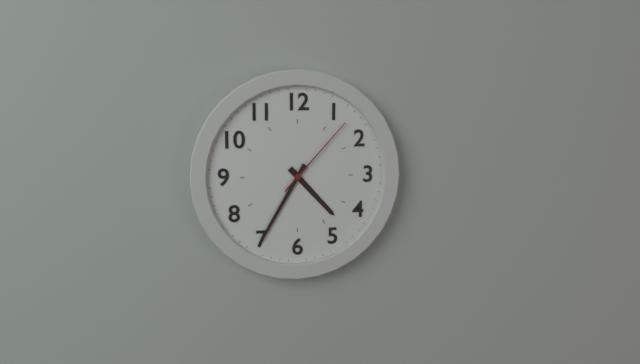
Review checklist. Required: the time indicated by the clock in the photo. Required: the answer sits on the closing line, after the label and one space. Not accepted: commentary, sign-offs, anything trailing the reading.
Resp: 4:35:07
